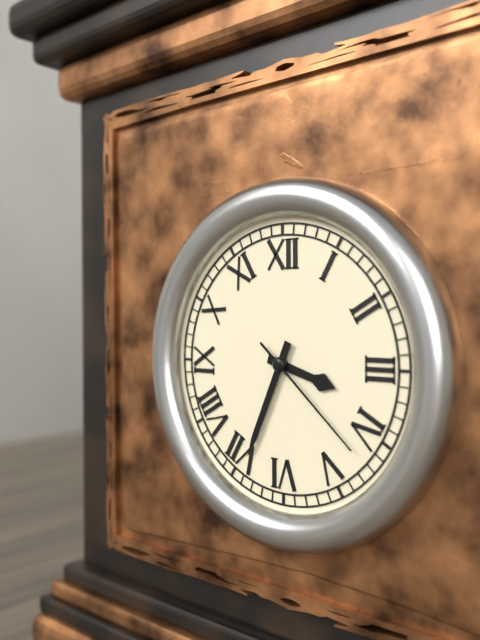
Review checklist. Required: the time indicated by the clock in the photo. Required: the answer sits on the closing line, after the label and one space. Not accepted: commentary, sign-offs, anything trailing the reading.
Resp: 3:34:22
